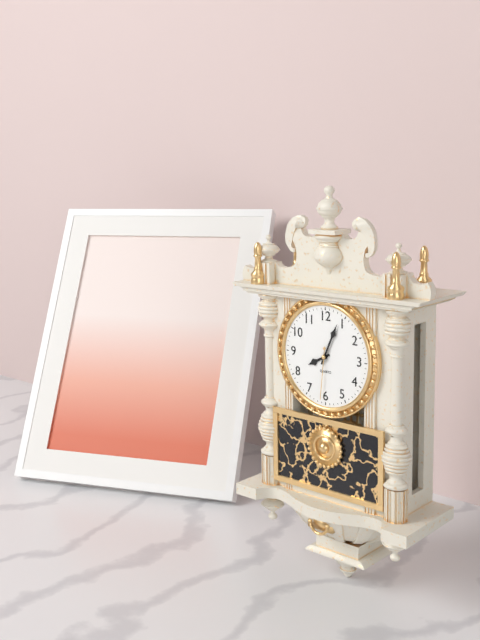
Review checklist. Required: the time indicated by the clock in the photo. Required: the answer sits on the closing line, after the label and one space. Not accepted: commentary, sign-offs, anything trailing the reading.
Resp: 8:04:31
